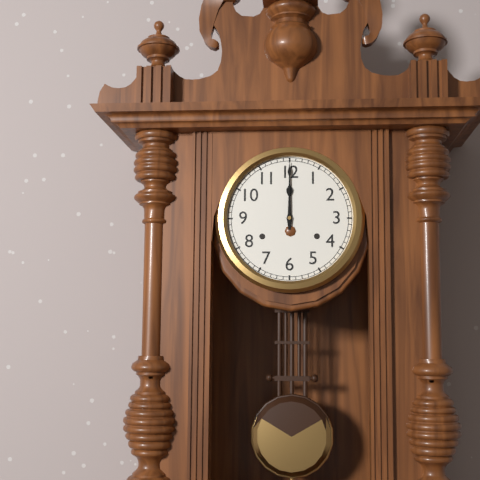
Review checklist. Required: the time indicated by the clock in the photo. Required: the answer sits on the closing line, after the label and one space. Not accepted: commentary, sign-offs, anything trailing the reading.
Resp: 12:00
